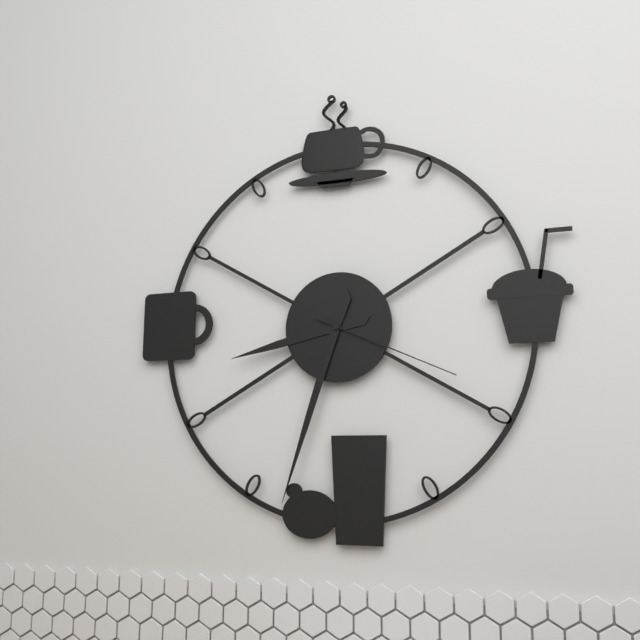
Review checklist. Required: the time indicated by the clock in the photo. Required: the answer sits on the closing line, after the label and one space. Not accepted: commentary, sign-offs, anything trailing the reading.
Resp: 8:33:19
